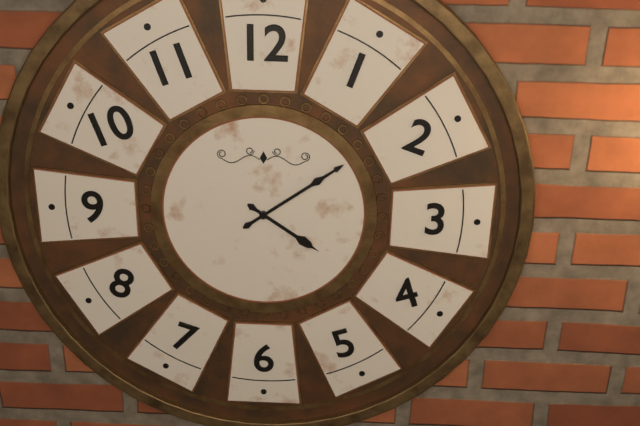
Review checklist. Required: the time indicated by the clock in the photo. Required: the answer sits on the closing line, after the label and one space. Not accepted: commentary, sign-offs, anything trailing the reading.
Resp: 4:09
